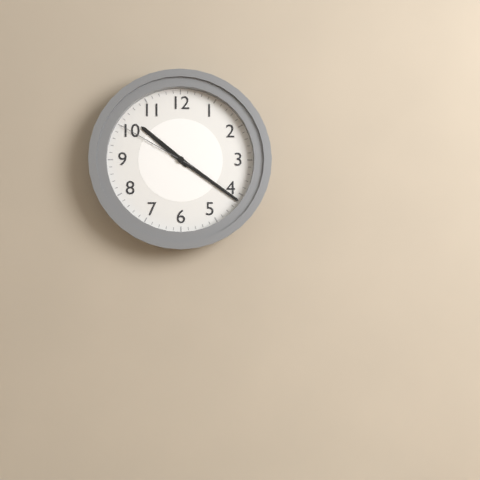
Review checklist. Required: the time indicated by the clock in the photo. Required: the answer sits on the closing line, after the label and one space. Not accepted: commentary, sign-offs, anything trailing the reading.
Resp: 10:21:50
